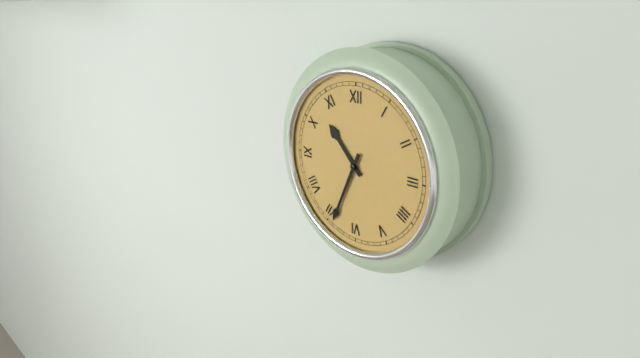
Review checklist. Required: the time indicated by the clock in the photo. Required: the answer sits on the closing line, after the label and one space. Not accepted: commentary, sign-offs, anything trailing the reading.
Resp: 10:34
